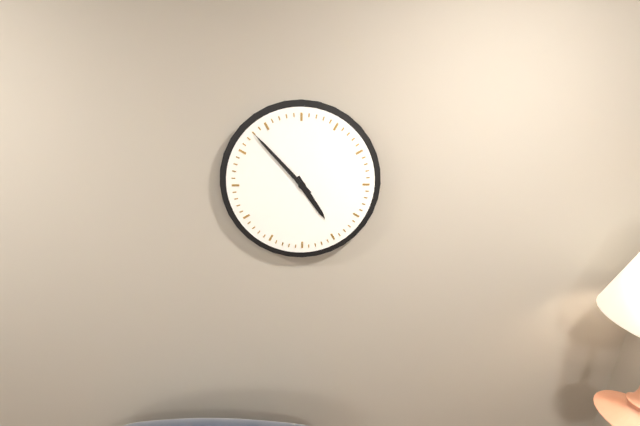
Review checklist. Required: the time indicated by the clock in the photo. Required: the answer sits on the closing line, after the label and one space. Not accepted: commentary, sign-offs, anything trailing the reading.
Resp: 4:53
